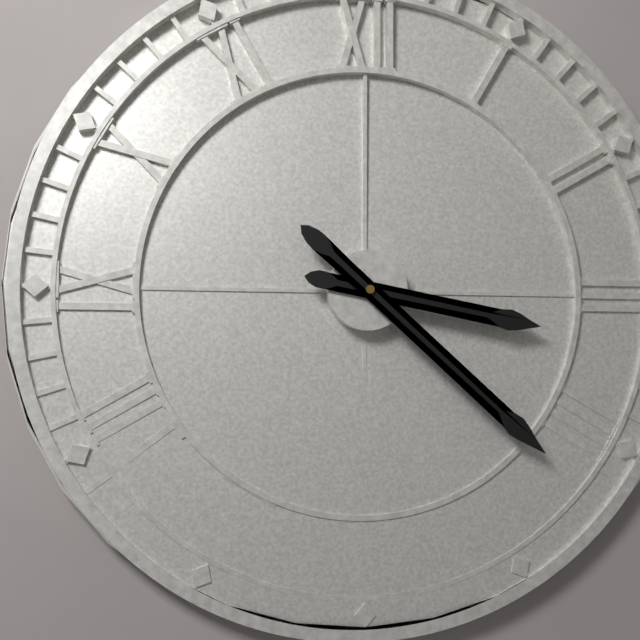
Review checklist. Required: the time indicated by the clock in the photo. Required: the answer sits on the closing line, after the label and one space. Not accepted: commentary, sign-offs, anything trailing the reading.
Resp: 3:22
